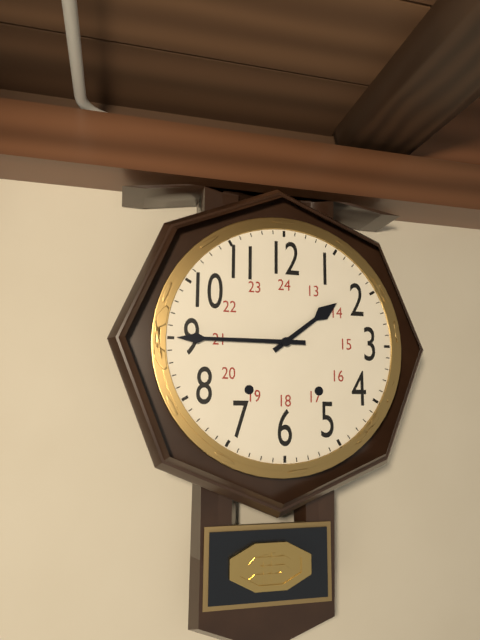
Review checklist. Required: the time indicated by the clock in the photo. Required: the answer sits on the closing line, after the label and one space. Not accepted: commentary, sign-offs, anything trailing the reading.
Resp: 1:45
